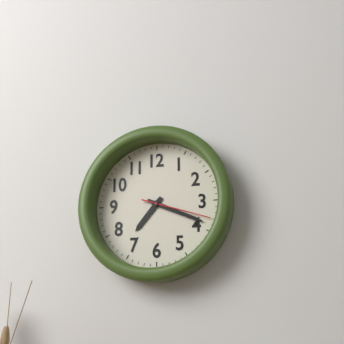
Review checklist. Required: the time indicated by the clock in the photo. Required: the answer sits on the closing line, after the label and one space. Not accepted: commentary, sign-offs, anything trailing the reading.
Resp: 7:19:18
